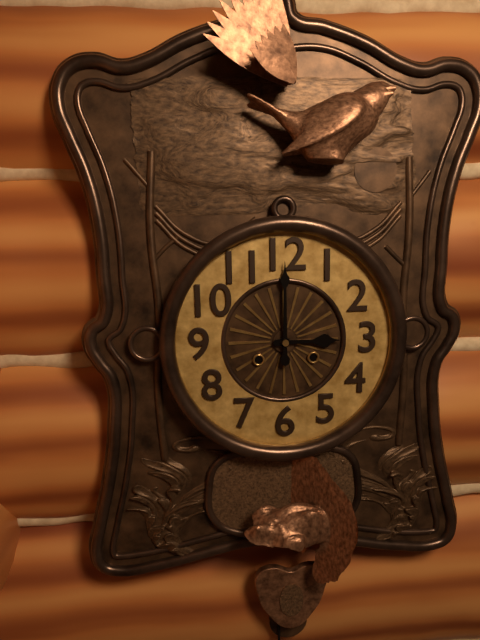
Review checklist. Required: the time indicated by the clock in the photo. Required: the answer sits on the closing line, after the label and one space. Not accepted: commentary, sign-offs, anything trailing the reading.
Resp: 3:00
